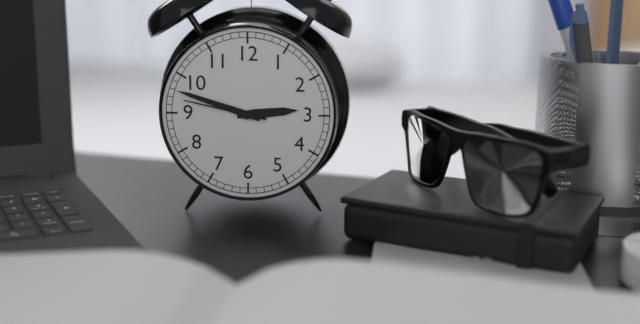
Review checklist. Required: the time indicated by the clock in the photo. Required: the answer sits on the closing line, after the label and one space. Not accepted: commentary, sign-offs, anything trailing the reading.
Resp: 2:48:47
